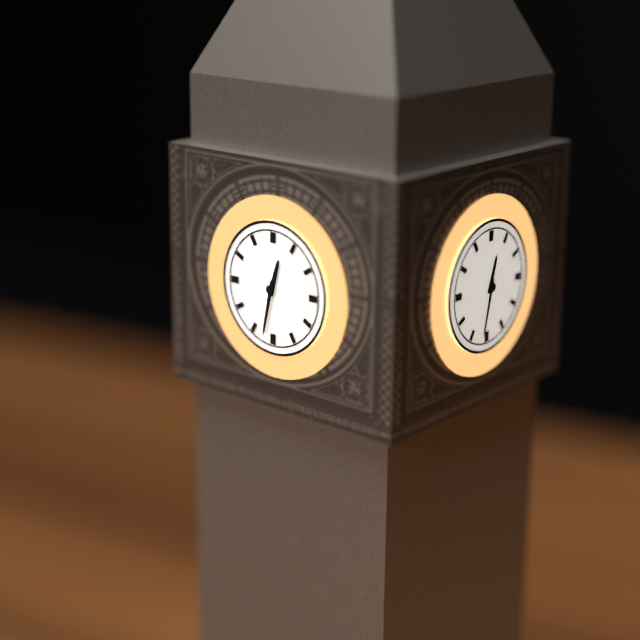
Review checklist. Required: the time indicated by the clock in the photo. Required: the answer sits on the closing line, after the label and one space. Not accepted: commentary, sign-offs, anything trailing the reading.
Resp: 12:32
